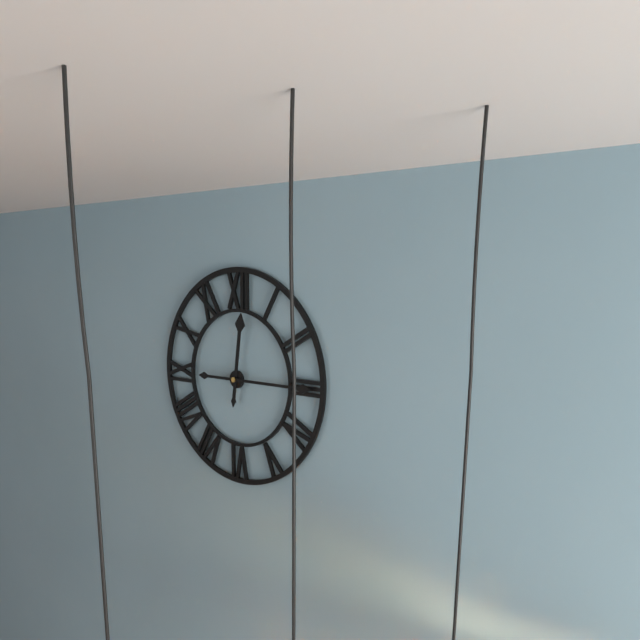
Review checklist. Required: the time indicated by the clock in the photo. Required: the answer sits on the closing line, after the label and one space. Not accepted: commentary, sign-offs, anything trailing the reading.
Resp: 12:15
